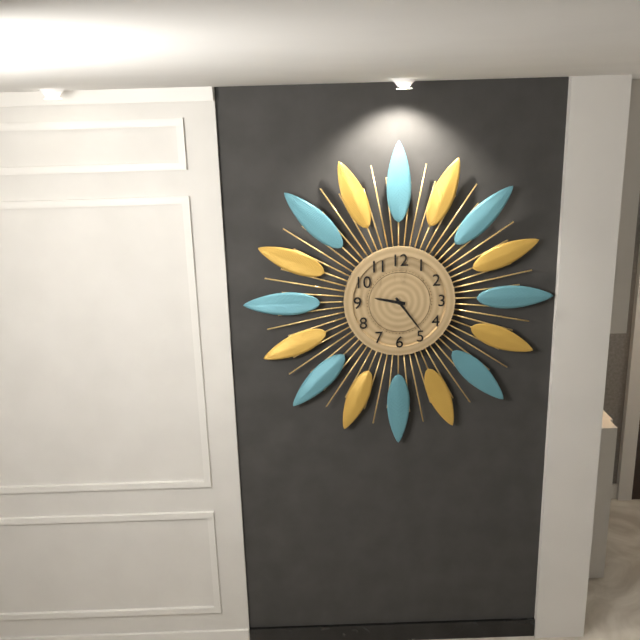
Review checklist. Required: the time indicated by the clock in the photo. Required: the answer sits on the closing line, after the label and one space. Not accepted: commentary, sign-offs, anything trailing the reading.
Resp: 9:24
